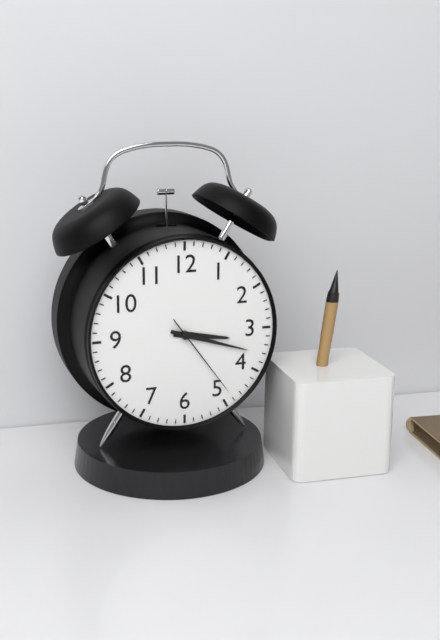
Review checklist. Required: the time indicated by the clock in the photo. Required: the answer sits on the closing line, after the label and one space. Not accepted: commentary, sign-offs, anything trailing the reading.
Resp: 3:18:24
